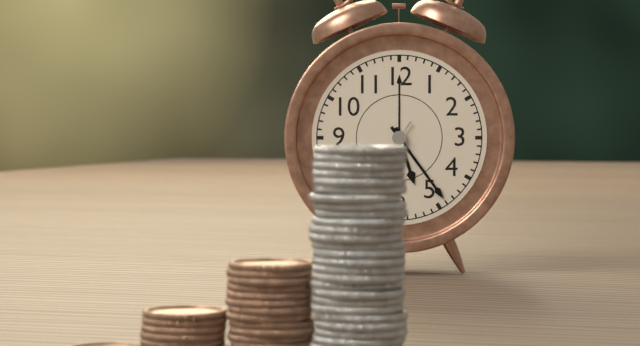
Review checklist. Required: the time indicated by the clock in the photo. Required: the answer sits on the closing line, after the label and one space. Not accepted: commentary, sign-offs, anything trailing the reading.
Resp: 5:24
